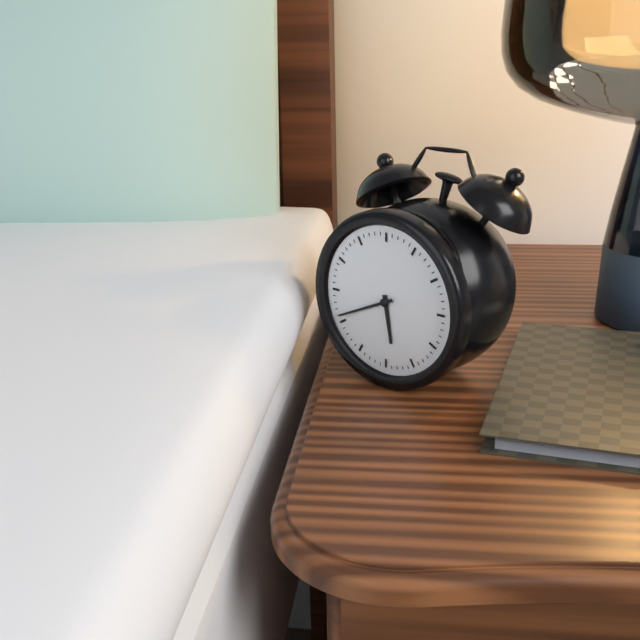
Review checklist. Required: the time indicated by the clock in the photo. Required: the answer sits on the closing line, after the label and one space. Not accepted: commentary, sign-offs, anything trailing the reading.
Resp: 5:41
